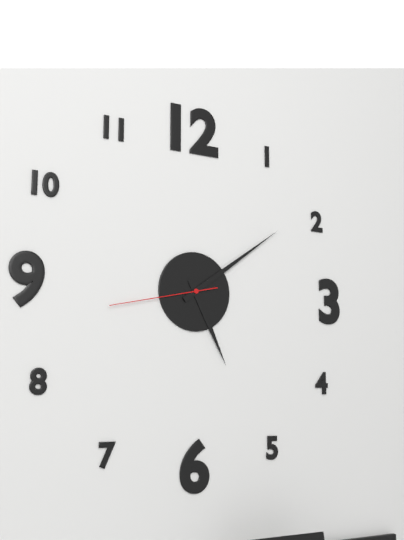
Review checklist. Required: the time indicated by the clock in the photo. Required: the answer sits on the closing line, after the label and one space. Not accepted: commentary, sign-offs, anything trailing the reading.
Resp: 5:09:43
